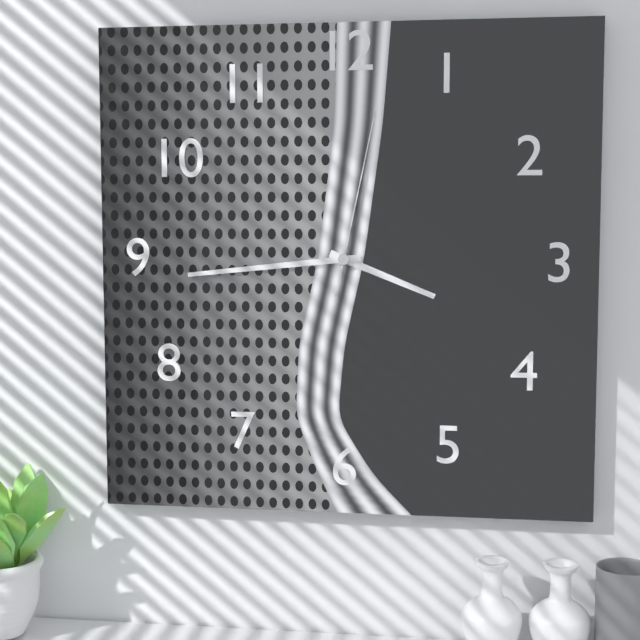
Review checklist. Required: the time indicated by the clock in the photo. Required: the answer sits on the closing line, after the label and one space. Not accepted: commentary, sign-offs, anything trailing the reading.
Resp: 3:44:02
